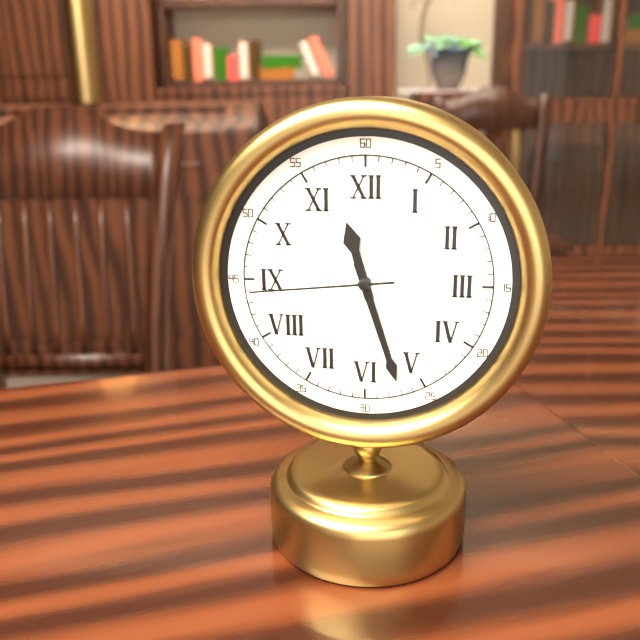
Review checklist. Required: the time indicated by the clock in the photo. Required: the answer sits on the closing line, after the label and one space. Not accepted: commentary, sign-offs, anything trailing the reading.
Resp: 11:27:44
